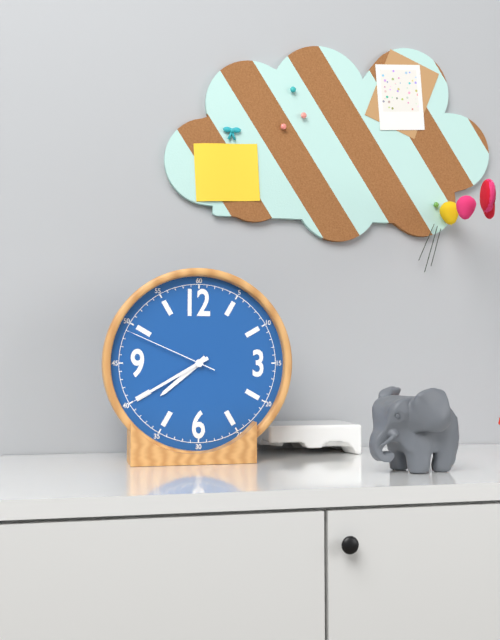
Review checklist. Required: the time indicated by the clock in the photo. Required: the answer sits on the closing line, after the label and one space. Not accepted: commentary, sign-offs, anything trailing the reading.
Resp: 7:40:49
